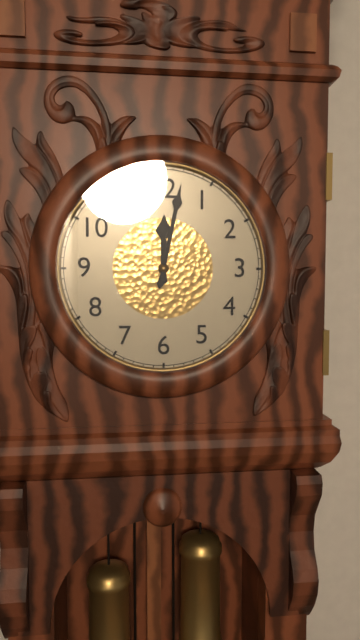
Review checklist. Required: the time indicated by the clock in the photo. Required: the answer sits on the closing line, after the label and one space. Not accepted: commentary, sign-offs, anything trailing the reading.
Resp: 12:02
